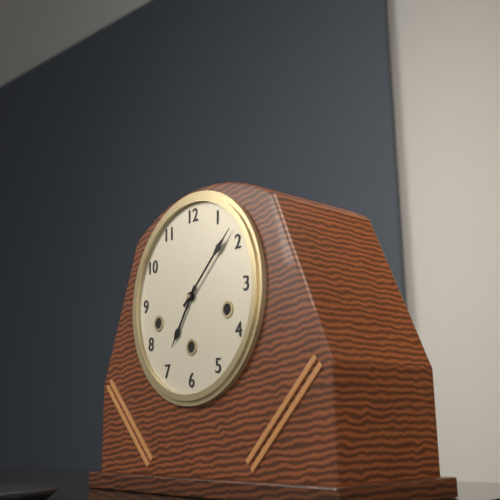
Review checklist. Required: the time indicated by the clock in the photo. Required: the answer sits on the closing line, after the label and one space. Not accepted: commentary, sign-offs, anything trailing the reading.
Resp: 7:08
